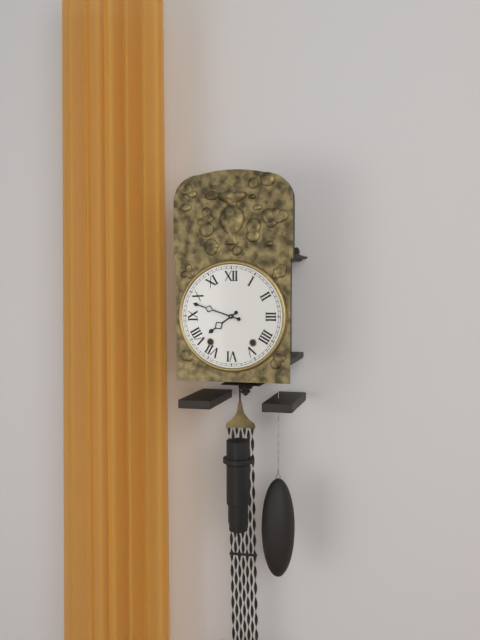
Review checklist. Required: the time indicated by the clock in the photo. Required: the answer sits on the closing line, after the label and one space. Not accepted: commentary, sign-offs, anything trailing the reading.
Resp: 7:48
